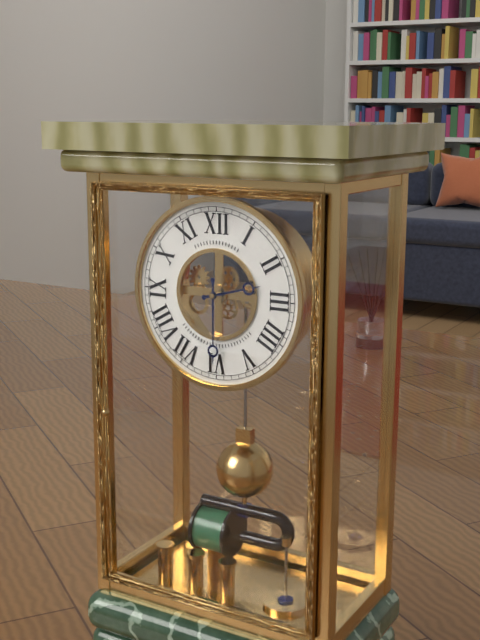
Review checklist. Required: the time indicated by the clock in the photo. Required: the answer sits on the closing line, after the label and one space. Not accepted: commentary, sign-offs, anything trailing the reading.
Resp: 2:30
